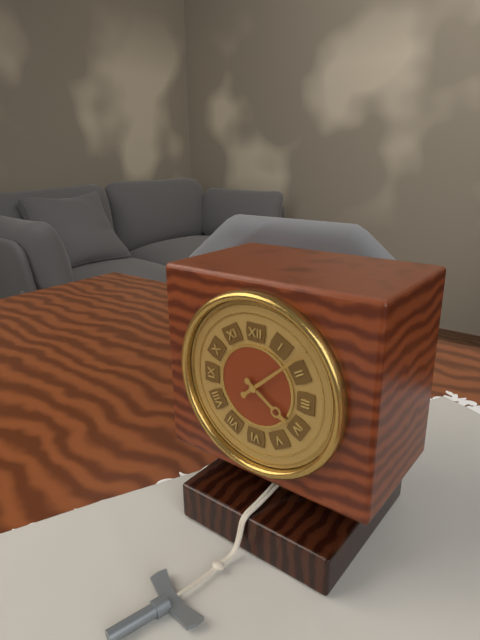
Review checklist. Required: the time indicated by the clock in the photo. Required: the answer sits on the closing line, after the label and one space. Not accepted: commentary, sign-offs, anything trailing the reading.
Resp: 4:08
